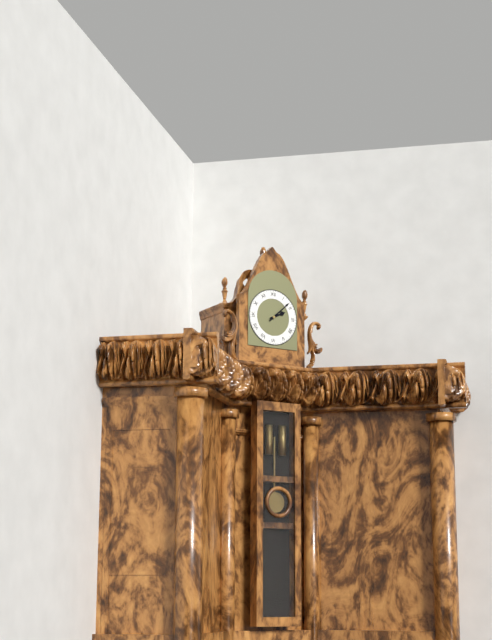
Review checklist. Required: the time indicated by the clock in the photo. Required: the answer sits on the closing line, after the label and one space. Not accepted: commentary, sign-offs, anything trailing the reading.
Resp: 2:08
